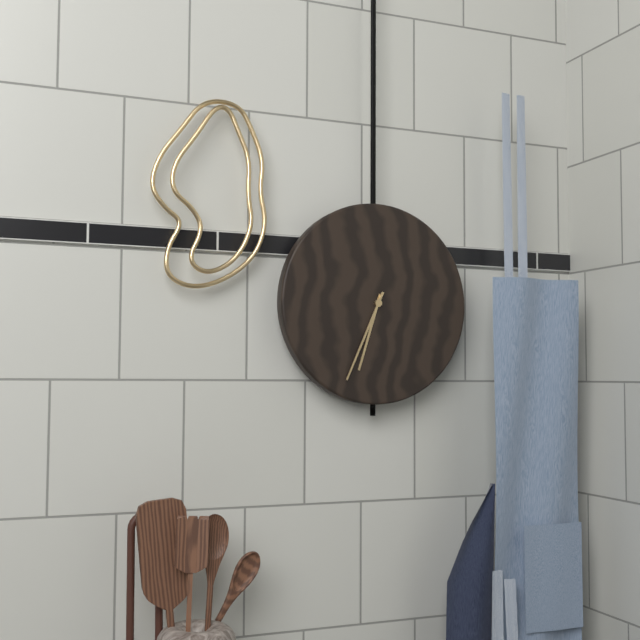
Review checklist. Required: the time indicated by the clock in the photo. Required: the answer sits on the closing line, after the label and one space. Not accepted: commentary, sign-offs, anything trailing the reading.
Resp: 6:34
